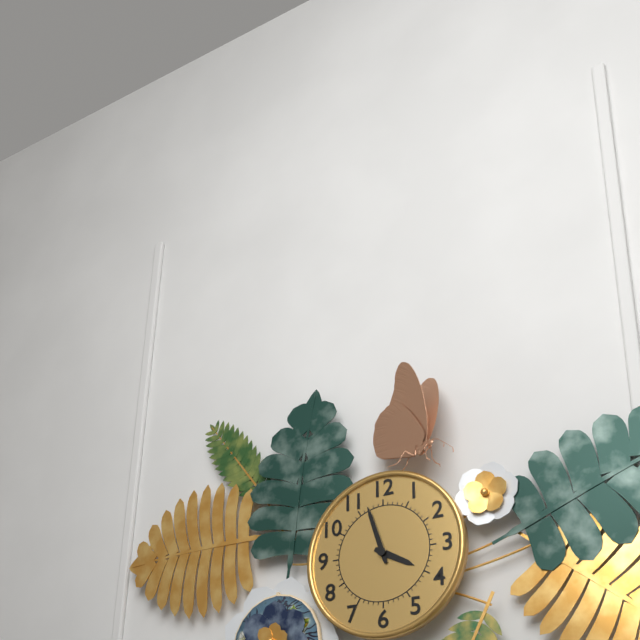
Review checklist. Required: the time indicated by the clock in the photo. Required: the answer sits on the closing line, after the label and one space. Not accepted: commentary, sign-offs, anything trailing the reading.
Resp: 3:57
